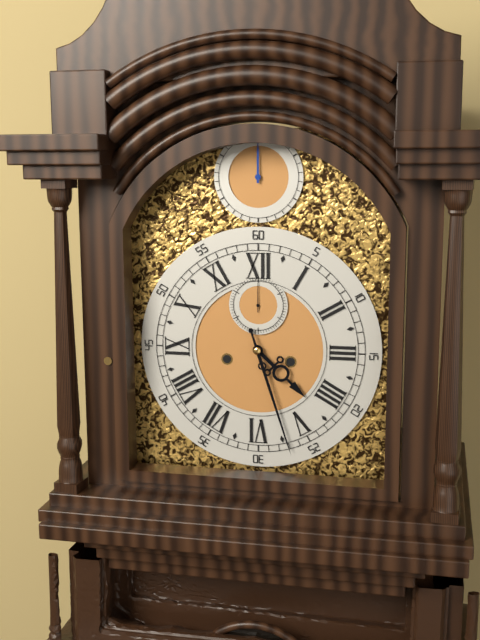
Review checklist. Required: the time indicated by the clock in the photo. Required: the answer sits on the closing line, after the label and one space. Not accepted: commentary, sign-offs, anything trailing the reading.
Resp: 4:27
